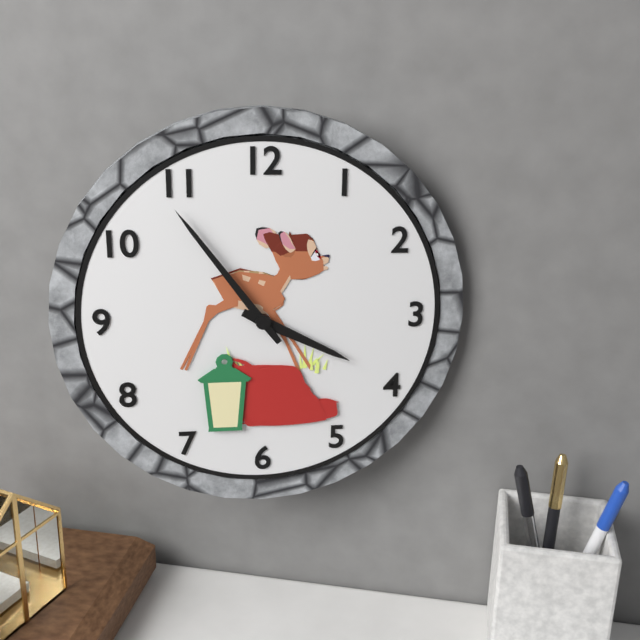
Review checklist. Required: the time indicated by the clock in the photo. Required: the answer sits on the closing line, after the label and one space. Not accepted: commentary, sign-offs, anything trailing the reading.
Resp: 3:54
